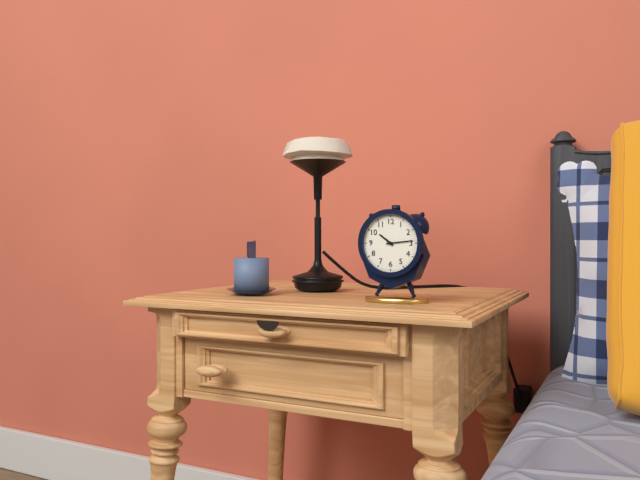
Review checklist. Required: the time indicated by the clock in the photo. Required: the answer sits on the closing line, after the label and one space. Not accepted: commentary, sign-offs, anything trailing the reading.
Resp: 10:14
